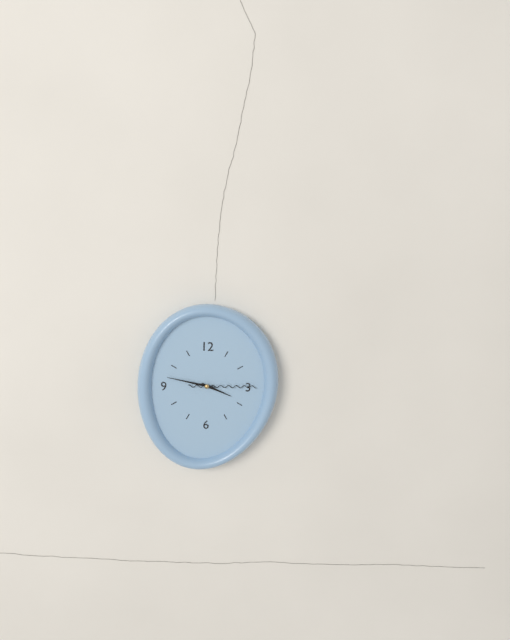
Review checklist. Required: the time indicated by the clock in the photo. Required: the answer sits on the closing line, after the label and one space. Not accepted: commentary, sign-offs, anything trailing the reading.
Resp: 3:47:15
